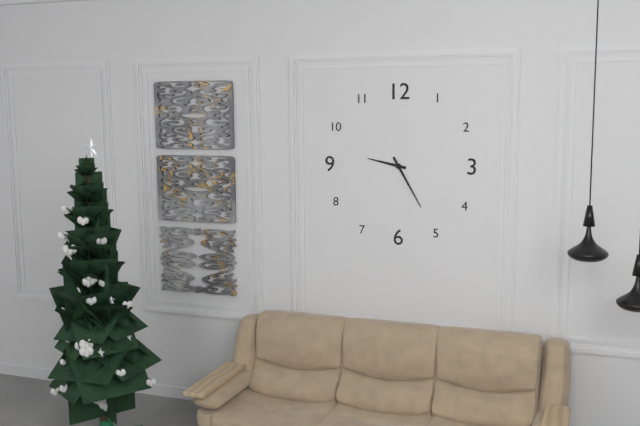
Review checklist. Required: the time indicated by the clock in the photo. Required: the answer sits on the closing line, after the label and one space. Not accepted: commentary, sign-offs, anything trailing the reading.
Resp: 9:25
